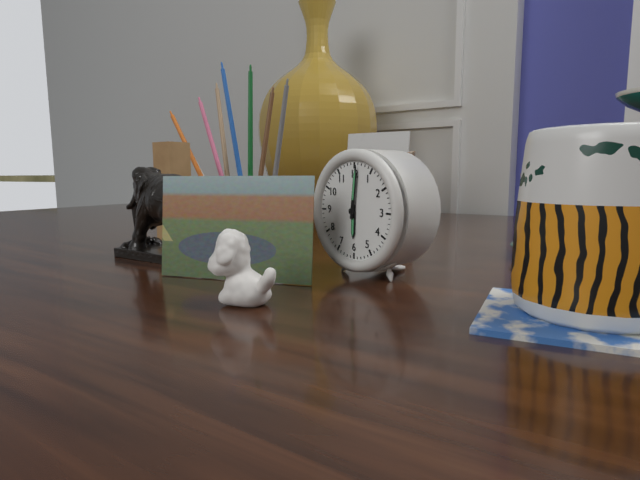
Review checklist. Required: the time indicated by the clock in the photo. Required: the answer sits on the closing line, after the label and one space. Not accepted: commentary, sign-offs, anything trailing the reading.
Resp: 6:01
